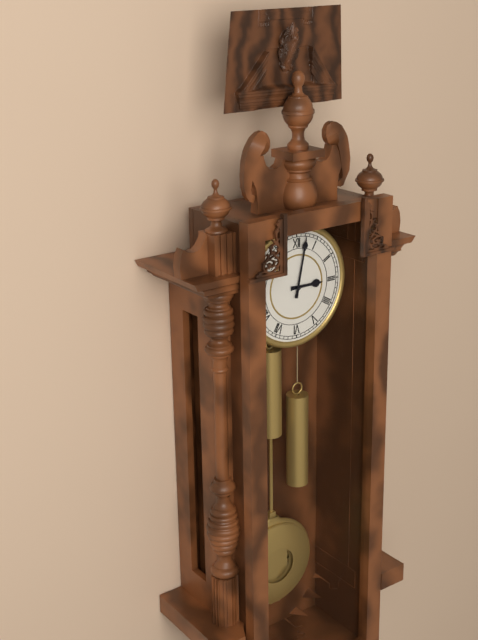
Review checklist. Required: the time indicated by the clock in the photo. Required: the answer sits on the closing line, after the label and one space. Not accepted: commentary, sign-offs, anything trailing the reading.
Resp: 3:02
